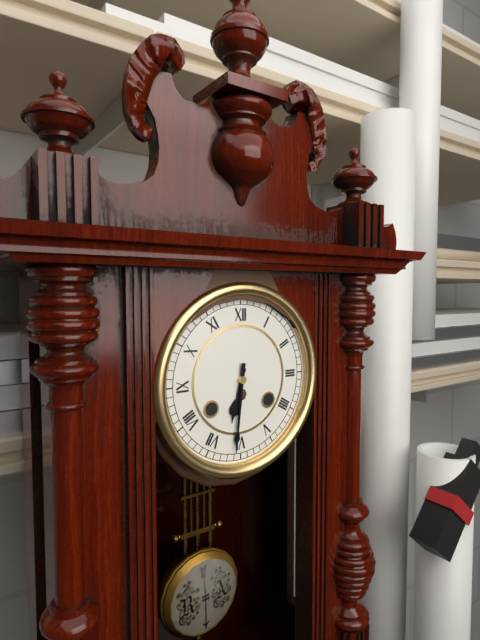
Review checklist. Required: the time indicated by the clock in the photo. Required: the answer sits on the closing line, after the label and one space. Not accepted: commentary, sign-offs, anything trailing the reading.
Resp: 6:31
